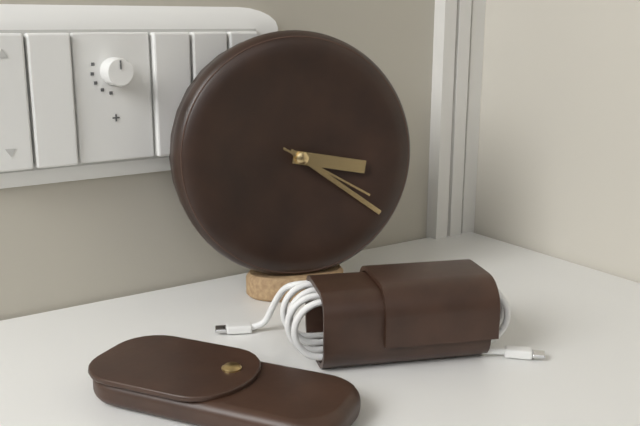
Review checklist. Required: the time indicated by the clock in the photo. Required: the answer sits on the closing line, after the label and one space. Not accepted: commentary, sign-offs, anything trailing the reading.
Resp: 3:21:20
